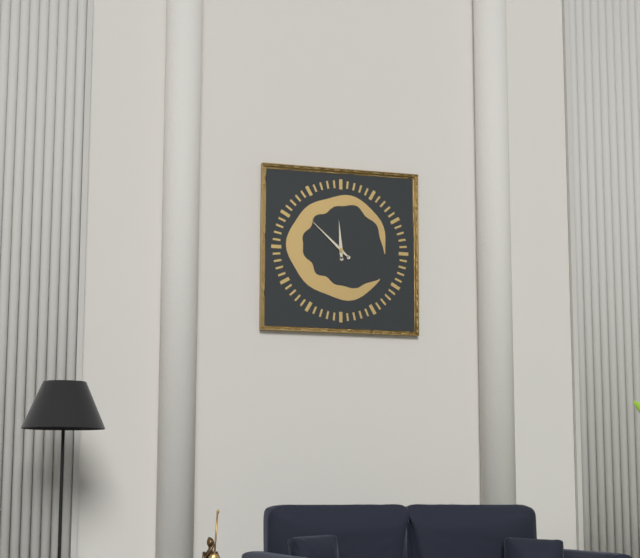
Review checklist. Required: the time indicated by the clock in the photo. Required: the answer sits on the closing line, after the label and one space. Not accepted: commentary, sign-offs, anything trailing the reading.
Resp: 11:52
